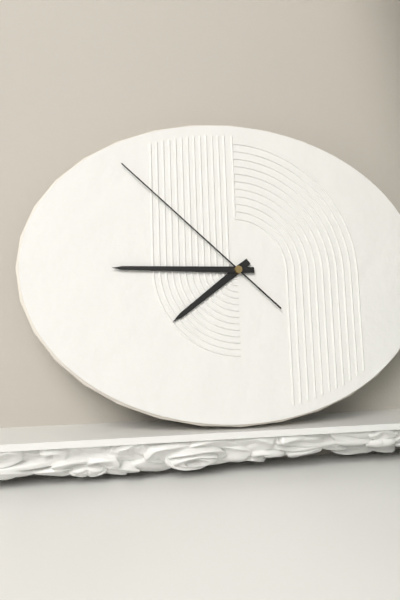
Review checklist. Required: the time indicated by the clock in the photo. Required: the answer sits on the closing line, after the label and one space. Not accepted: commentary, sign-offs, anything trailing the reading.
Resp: 7:45:52
